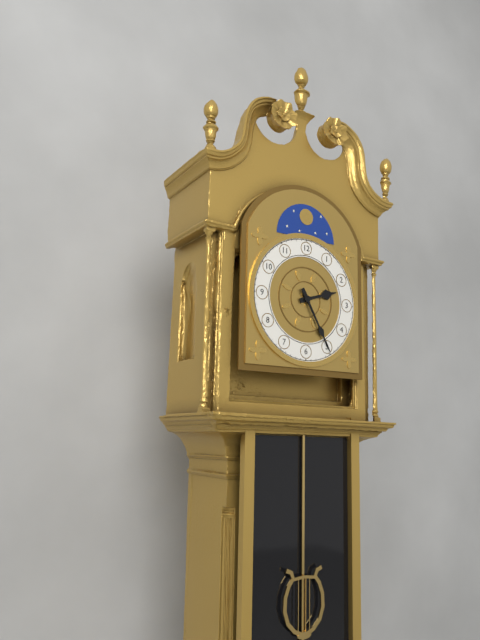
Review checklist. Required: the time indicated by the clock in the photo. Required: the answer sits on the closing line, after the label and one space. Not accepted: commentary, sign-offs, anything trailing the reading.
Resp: 2:25
